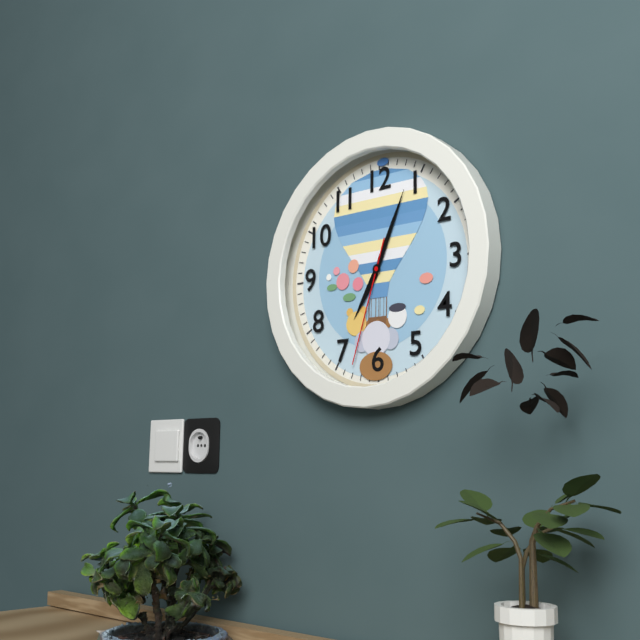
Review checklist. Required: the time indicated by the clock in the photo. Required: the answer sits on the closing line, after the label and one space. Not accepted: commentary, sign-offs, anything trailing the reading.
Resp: 7:04:33
